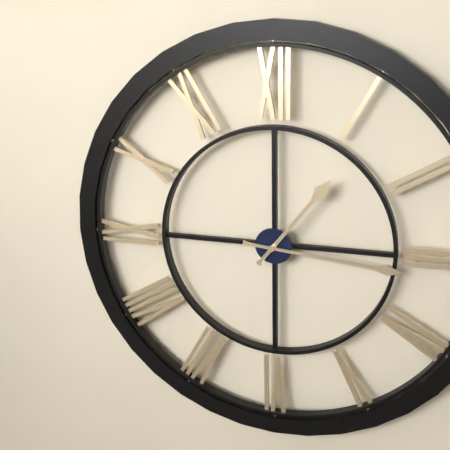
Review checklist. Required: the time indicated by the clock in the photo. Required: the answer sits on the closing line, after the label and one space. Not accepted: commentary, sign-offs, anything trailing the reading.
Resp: 1:16
